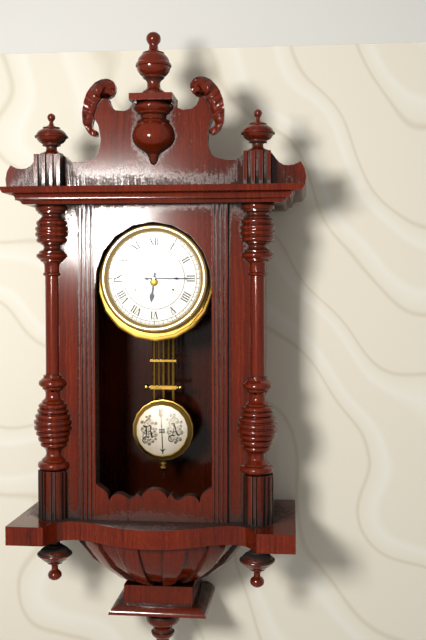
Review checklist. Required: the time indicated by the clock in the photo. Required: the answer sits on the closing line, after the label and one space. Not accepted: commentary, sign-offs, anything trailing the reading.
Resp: 6:15
